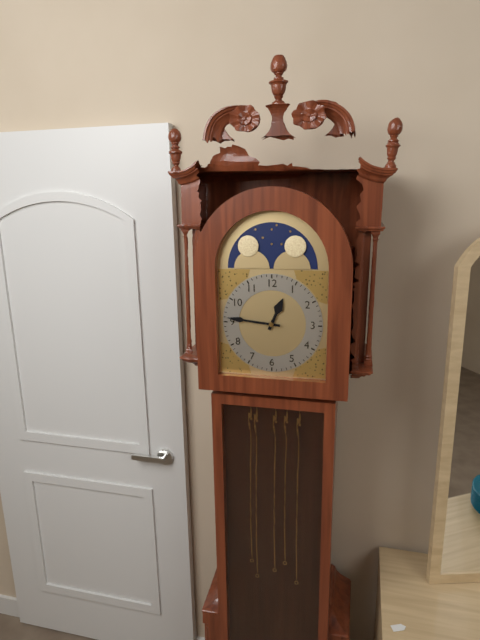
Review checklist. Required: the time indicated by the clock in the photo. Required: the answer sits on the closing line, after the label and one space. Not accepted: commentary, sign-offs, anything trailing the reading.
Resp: 12:46
